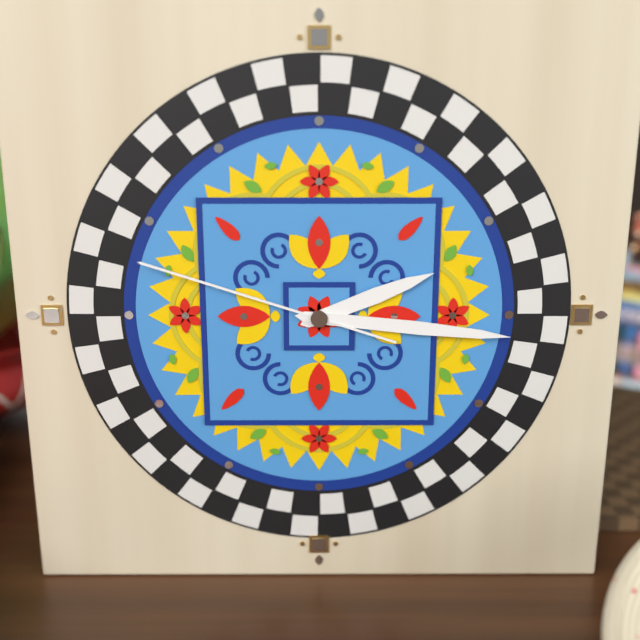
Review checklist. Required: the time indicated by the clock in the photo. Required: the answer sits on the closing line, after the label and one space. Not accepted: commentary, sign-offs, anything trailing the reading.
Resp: 2:16:48
